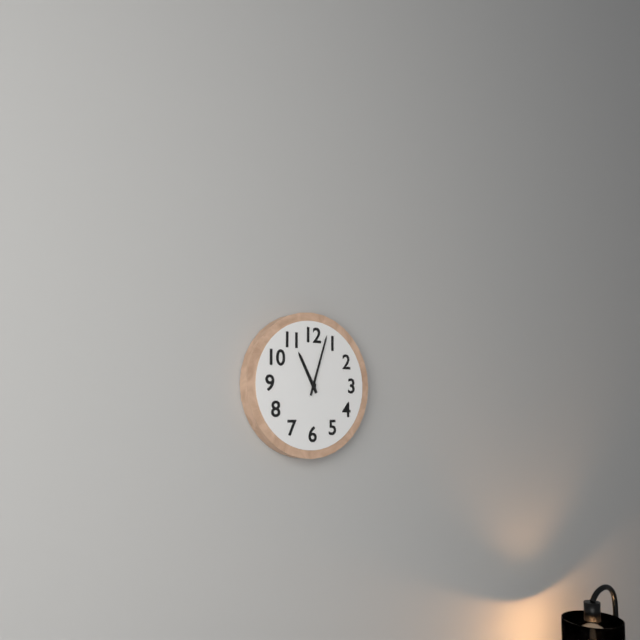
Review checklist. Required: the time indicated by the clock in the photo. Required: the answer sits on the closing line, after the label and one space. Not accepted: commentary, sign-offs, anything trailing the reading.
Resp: 11:03
